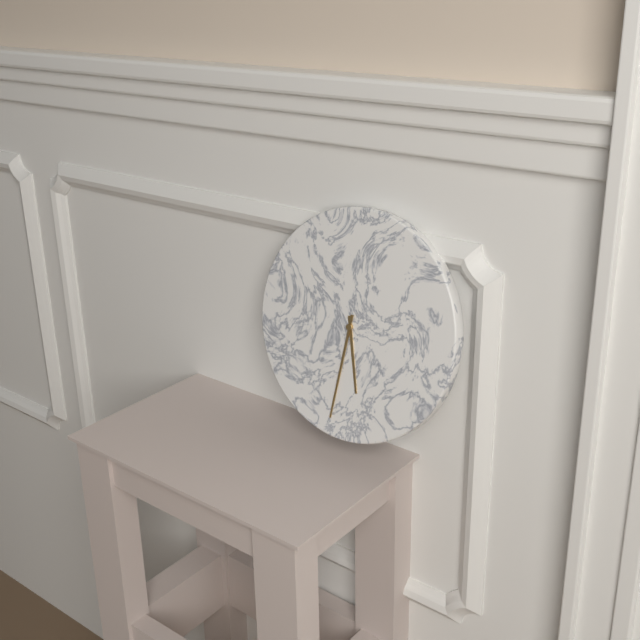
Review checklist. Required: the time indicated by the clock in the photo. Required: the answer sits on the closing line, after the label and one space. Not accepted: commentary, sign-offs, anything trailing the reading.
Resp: 5:31
